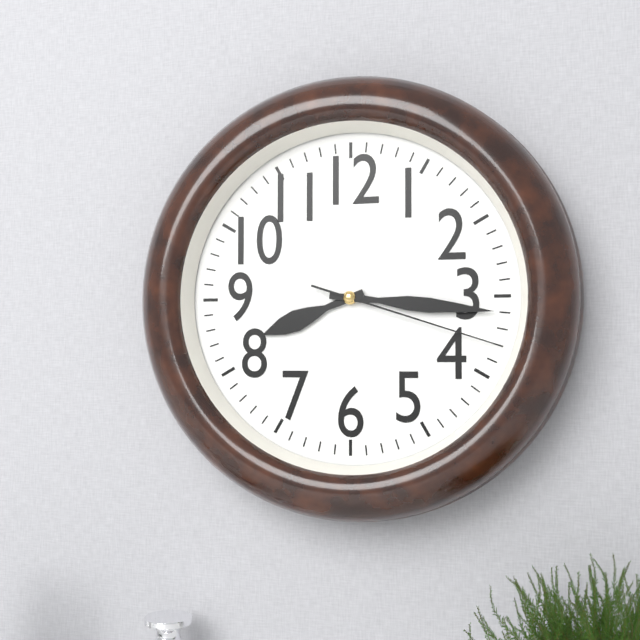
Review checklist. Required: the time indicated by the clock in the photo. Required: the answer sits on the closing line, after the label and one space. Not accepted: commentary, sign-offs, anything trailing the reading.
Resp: 8:16:18
